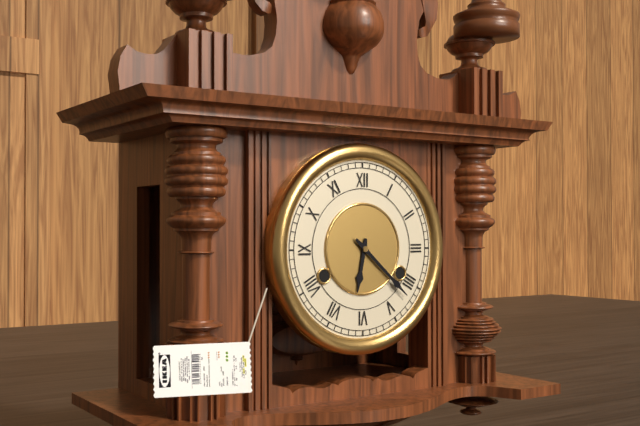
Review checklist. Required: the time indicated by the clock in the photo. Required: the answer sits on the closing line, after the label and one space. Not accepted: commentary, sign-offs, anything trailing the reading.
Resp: 6:22
